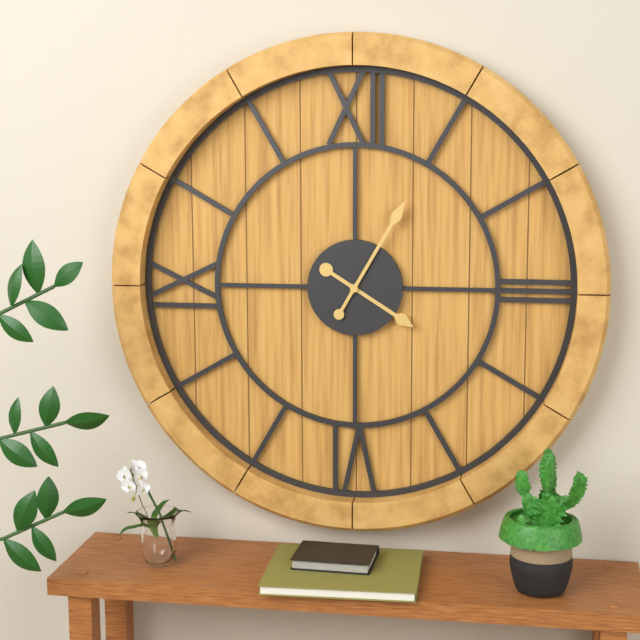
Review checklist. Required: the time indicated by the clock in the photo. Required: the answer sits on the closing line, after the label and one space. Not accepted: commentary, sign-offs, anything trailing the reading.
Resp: 4:05
